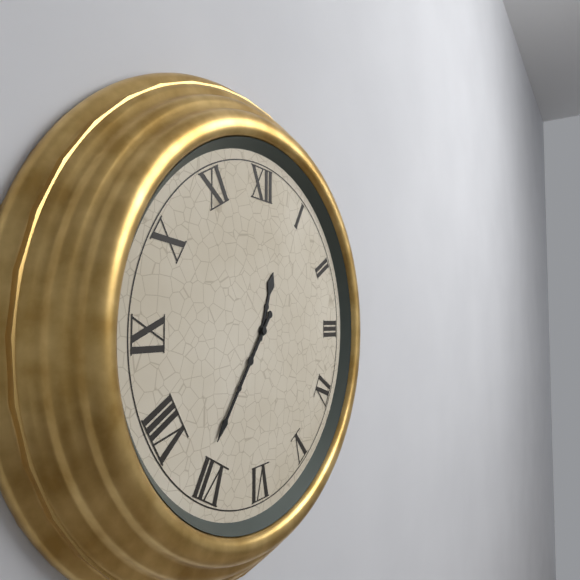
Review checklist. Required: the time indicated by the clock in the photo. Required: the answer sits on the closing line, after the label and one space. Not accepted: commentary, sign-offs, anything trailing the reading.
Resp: 12:36
